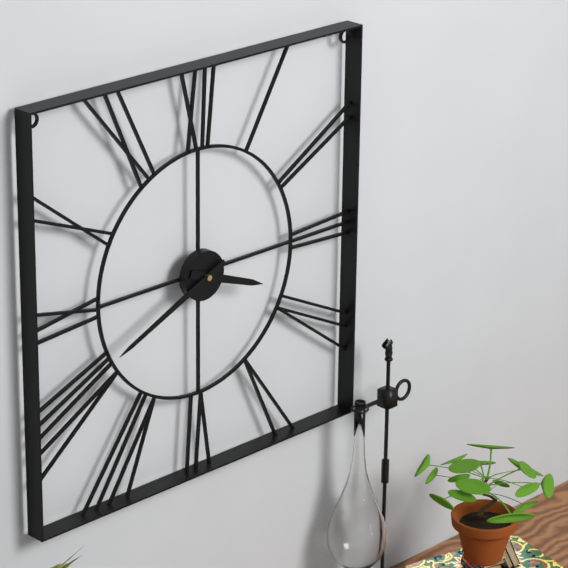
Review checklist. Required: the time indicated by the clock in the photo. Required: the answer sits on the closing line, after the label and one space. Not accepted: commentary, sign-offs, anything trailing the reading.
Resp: 3:41
